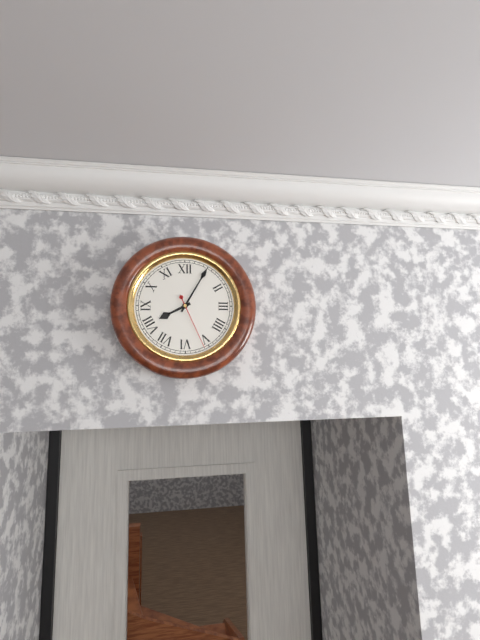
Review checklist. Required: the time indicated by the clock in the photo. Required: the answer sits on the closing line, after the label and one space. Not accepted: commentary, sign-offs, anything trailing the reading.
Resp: 8:05:26
